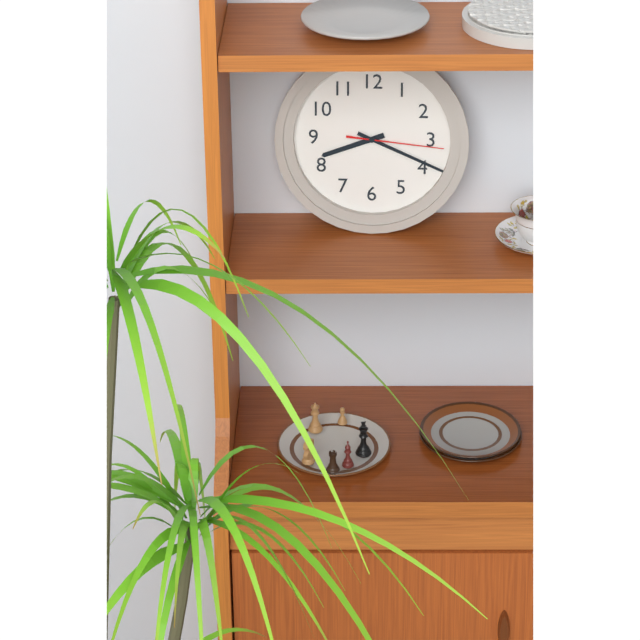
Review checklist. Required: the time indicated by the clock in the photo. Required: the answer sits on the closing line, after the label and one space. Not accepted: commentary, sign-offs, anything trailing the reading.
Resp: 8:19:16
